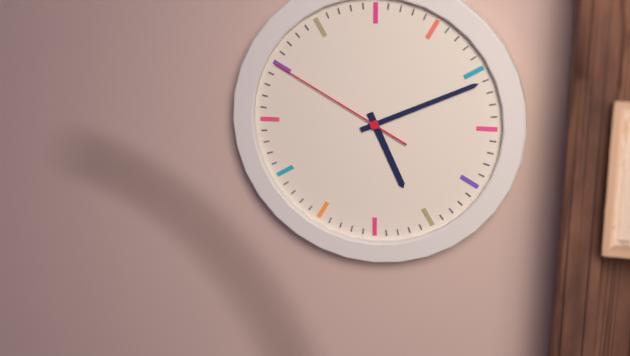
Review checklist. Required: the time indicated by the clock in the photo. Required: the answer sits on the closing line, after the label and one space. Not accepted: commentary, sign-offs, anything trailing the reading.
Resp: 5:11:50
